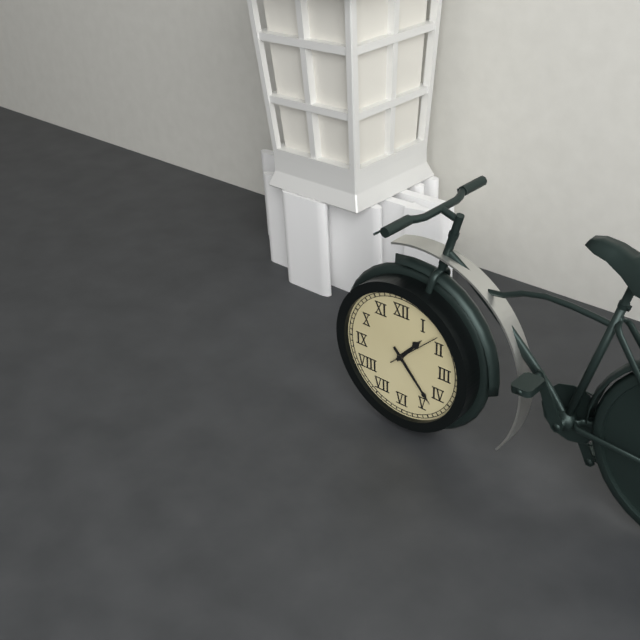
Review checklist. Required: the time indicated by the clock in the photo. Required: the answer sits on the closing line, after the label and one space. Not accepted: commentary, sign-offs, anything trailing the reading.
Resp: 1:23:08
